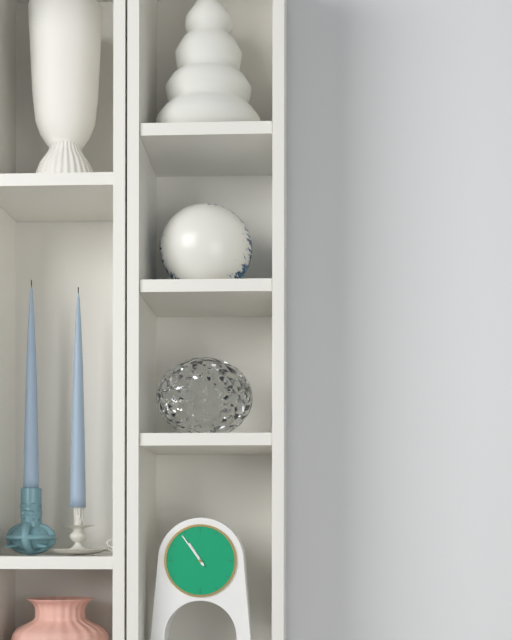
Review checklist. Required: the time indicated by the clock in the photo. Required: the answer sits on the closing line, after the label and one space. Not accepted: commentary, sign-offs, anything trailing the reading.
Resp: 10:54
